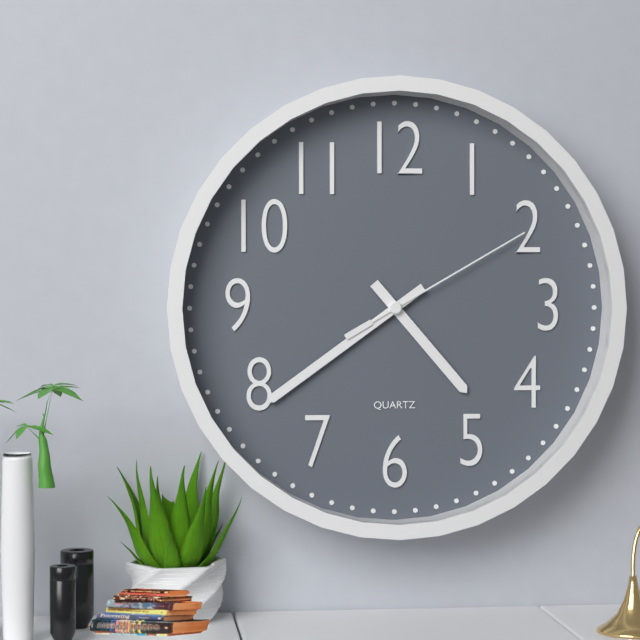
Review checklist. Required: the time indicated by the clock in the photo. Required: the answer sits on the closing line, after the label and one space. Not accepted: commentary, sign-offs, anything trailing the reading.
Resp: 4:39:10
